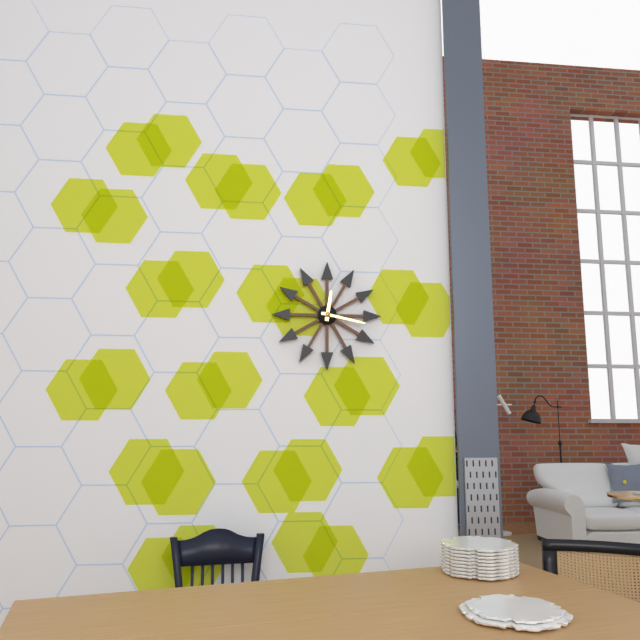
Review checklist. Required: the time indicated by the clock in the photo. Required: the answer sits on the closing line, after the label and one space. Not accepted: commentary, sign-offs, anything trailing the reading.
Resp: 12:17
